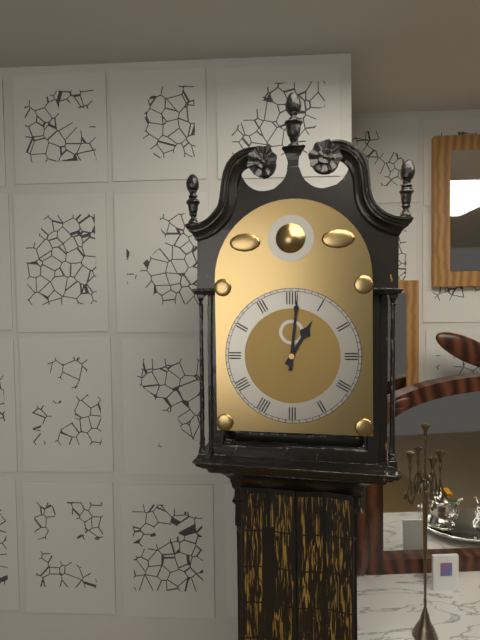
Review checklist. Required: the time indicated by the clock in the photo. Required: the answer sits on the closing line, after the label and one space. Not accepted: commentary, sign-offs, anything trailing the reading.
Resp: 1:01
